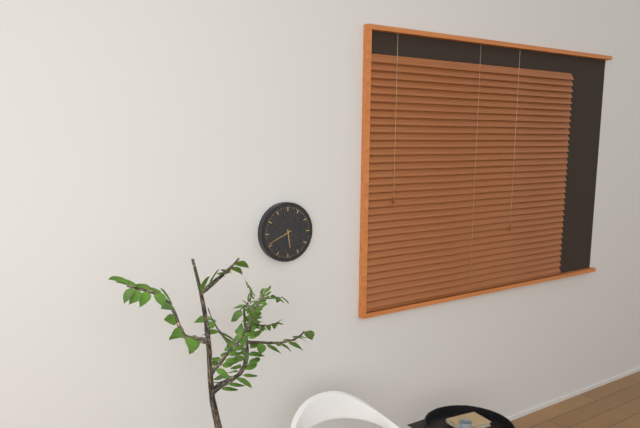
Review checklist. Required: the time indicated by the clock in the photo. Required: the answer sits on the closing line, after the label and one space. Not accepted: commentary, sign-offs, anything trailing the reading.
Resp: 5:41
